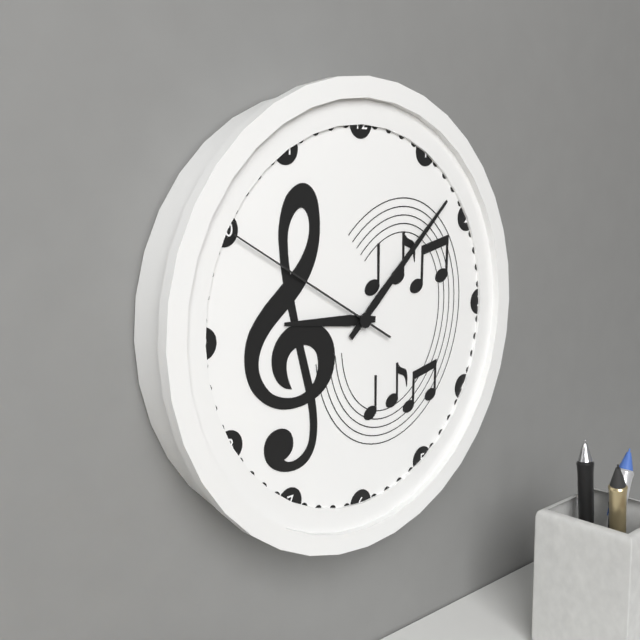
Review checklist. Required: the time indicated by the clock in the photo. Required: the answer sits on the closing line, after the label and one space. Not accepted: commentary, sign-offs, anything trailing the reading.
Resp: 9:08:50
